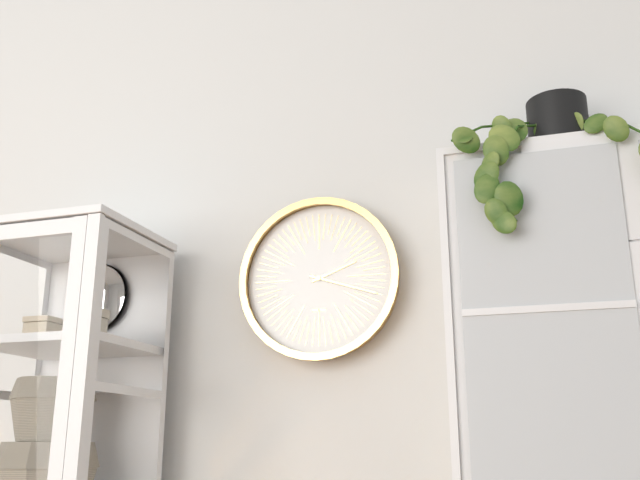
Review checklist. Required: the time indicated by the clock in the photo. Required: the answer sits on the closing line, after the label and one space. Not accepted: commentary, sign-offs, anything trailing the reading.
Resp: 2:18
